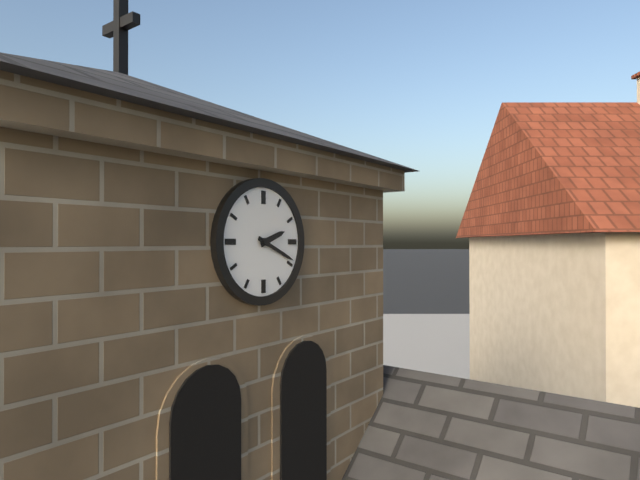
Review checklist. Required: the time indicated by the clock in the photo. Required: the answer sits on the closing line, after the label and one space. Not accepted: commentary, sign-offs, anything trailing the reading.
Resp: 2:19
